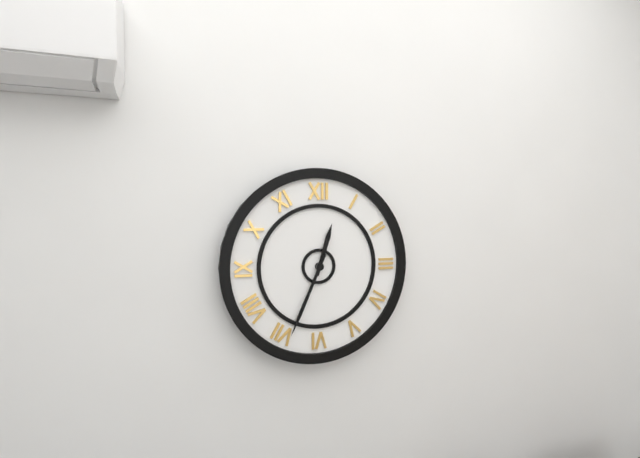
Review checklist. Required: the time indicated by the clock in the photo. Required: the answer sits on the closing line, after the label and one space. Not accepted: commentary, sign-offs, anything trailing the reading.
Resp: 12:34
